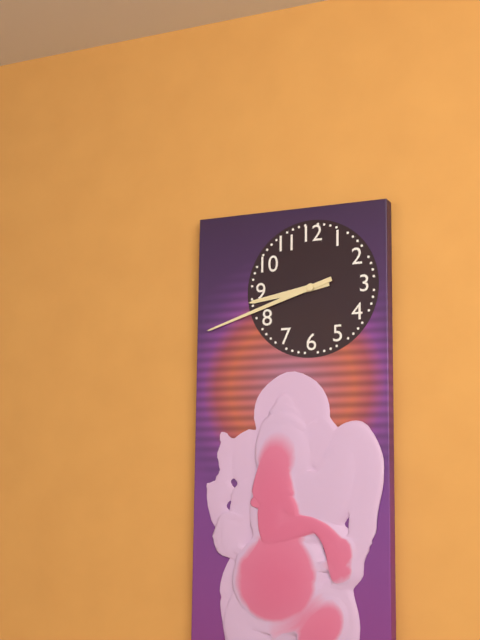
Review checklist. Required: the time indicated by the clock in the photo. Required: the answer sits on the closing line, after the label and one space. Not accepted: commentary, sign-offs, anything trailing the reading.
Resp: 8:42
